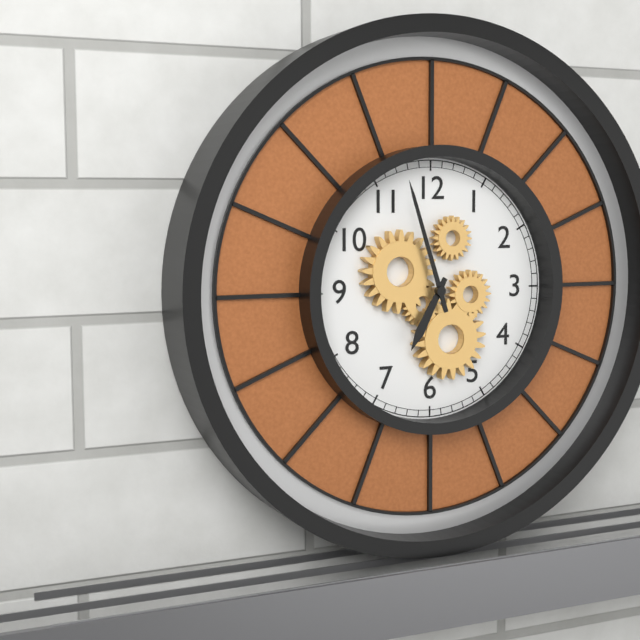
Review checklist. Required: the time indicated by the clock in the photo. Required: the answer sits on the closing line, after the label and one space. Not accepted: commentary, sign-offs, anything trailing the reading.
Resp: 6:57
